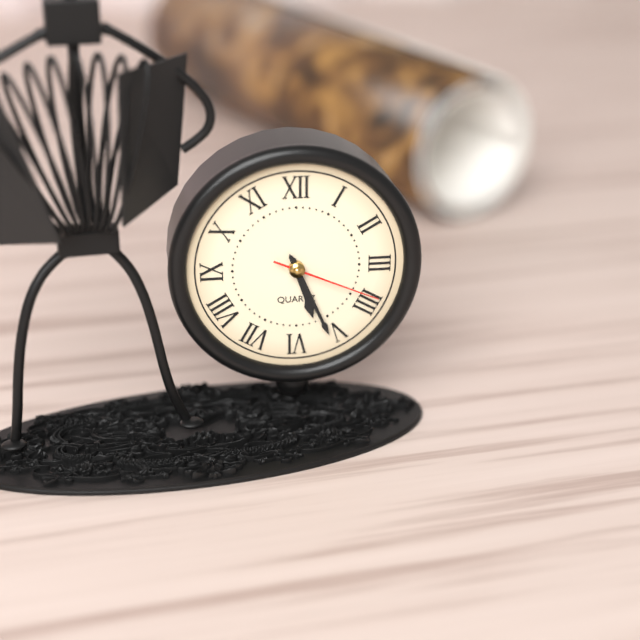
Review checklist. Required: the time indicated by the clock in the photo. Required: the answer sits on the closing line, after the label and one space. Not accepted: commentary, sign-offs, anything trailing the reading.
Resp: 5:26:19
